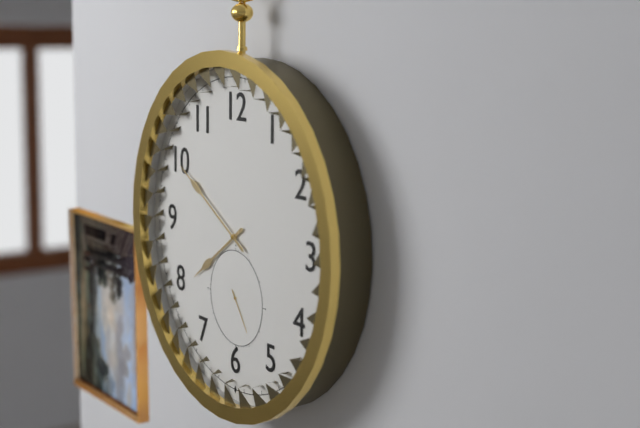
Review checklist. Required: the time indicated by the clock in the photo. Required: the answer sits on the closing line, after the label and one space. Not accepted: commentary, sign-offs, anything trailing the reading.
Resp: 7:50
